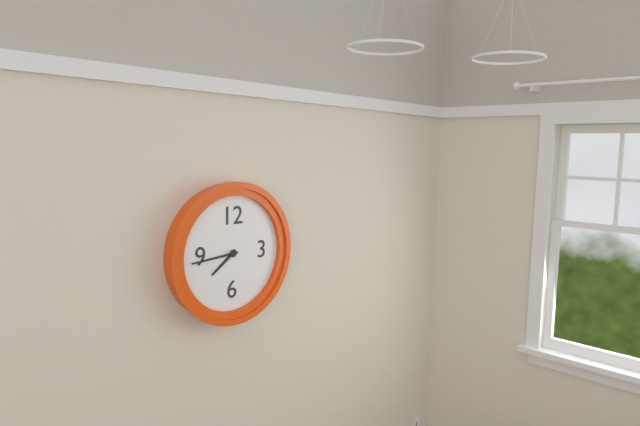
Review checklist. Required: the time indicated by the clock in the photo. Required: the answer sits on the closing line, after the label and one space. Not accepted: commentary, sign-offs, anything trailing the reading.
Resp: 7:44
